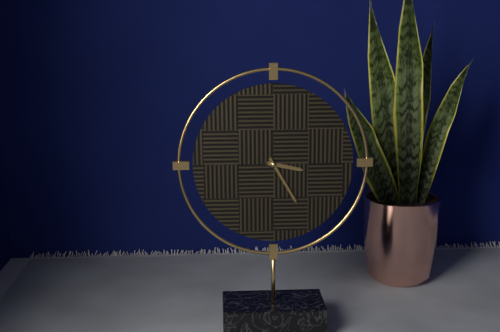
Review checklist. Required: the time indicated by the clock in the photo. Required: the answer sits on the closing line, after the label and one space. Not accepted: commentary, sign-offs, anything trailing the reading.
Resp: 3:25
